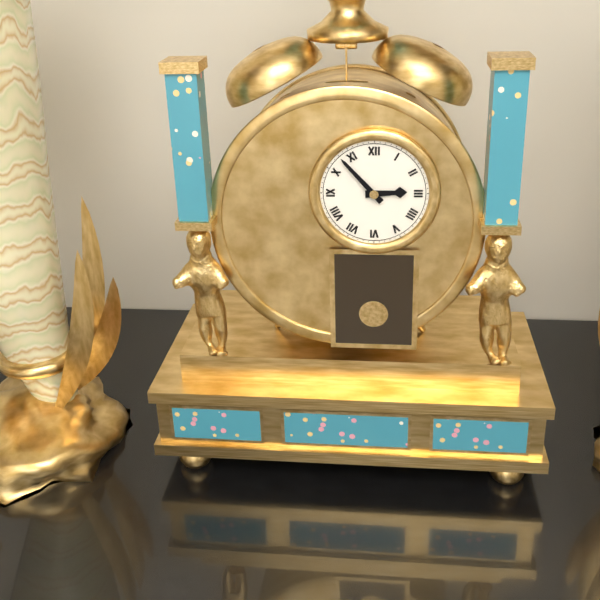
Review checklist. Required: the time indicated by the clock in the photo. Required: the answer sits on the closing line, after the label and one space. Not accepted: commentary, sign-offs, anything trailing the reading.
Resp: 2:53
